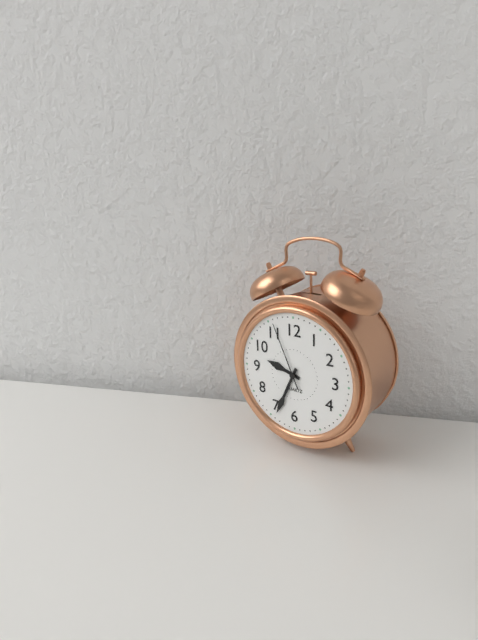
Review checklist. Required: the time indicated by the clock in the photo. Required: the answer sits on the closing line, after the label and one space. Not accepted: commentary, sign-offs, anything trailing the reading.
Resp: 9:34:56
